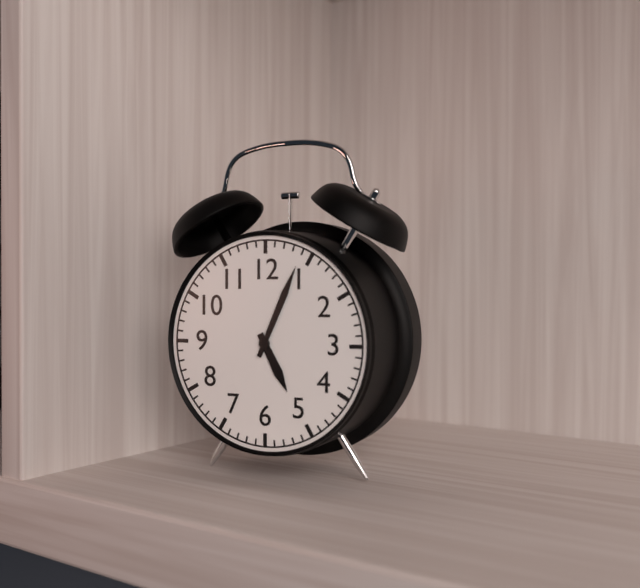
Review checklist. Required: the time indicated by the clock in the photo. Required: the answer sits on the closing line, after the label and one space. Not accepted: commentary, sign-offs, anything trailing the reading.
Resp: 5:04
